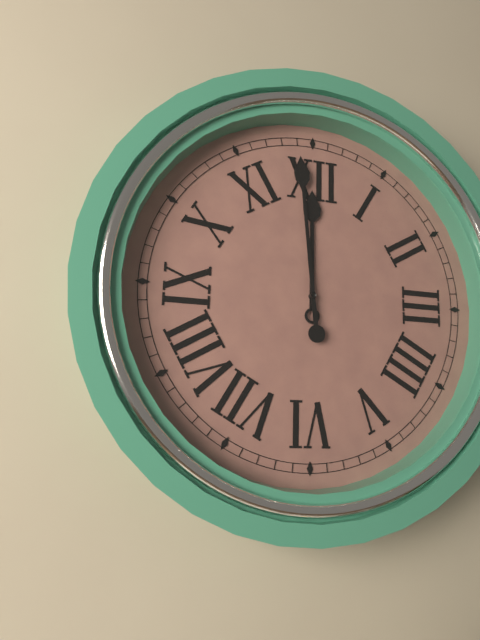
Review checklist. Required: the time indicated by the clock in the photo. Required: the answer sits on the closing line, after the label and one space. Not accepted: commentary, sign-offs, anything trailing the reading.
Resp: 11:59
